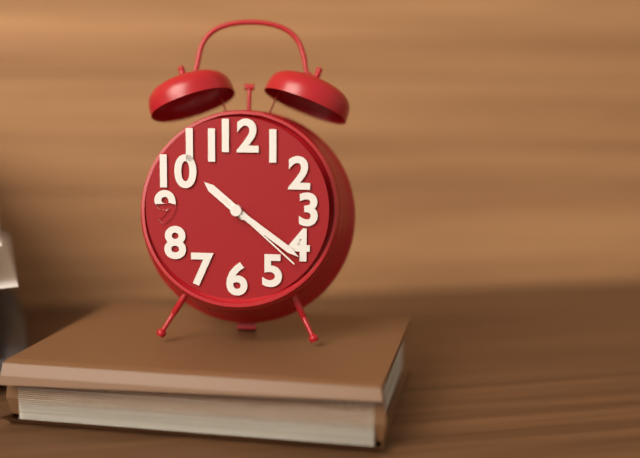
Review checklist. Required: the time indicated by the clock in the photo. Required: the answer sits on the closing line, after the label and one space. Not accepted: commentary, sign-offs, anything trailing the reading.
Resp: 10:21:22
